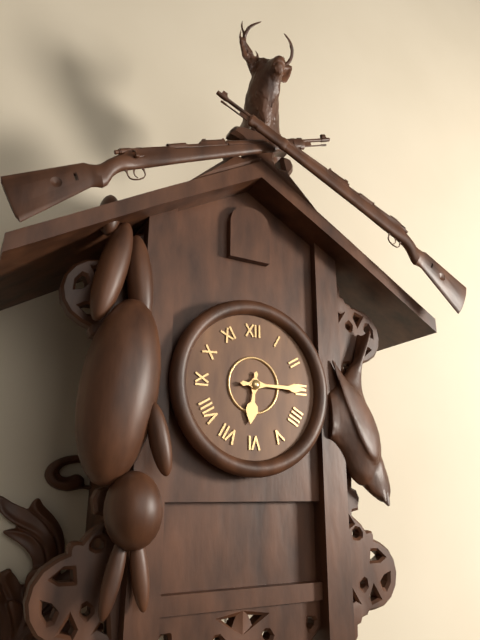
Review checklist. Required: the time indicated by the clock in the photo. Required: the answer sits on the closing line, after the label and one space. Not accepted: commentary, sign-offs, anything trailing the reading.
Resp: 6:15
